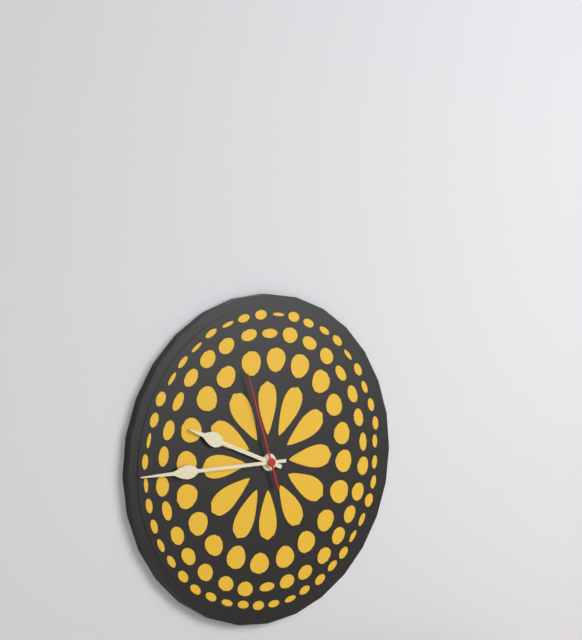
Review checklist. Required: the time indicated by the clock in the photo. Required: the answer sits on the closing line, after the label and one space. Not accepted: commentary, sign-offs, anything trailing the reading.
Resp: 9:45:57
